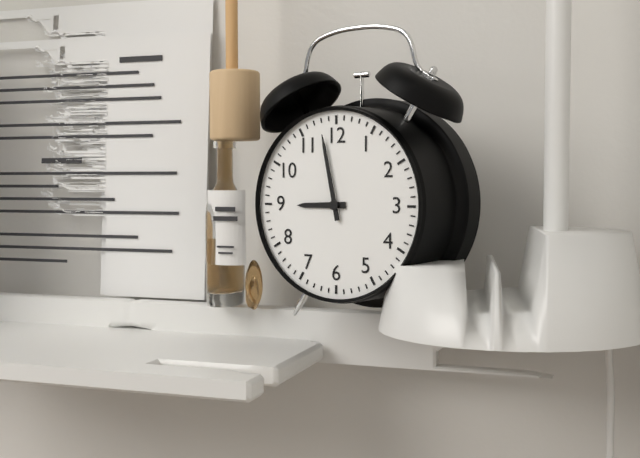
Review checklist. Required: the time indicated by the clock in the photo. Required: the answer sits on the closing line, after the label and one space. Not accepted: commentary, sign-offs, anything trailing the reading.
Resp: 8:58
